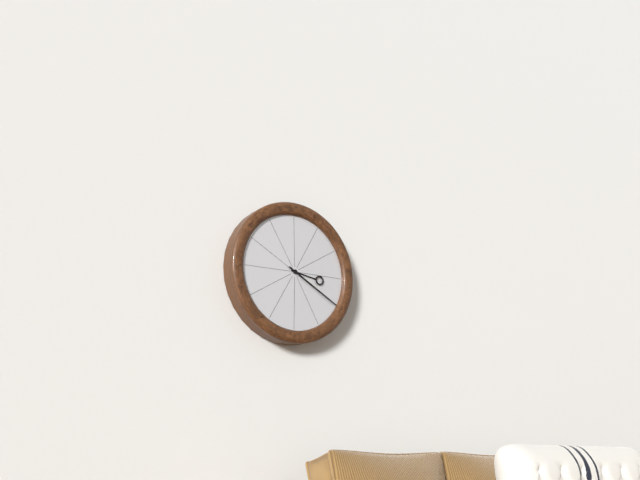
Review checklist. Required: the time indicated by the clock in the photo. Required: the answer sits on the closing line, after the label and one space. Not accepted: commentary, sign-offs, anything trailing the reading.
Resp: 3:20
